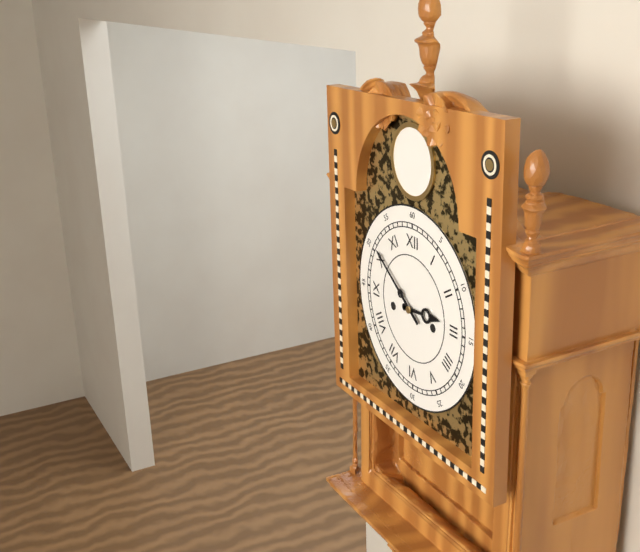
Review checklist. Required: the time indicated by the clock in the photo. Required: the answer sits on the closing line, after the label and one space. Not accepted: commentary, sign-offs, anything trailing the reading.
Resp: 2:51
